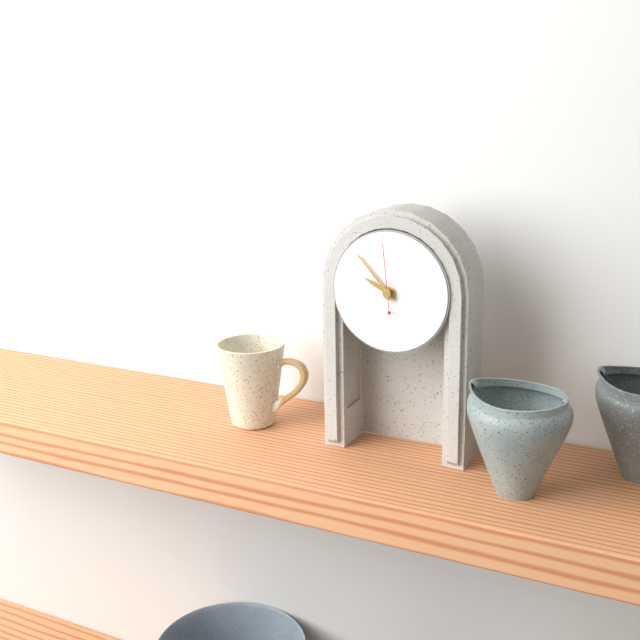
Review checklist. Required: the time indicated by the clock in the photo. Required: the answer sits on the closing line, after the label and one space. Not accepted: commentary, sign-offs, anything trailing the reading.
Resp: 9:53:59
